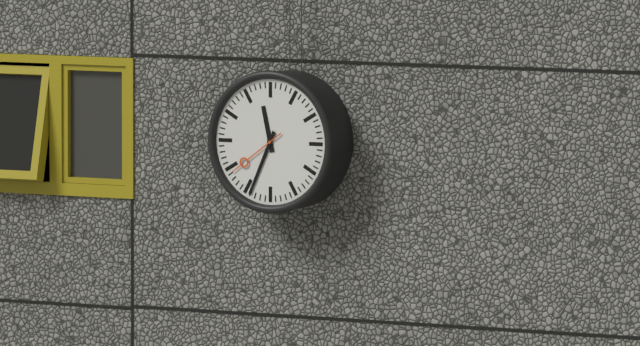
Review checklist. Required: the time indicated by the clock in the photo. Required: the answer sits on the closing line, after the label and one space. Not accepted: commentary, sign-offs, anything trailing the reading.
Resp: 11:34:39
